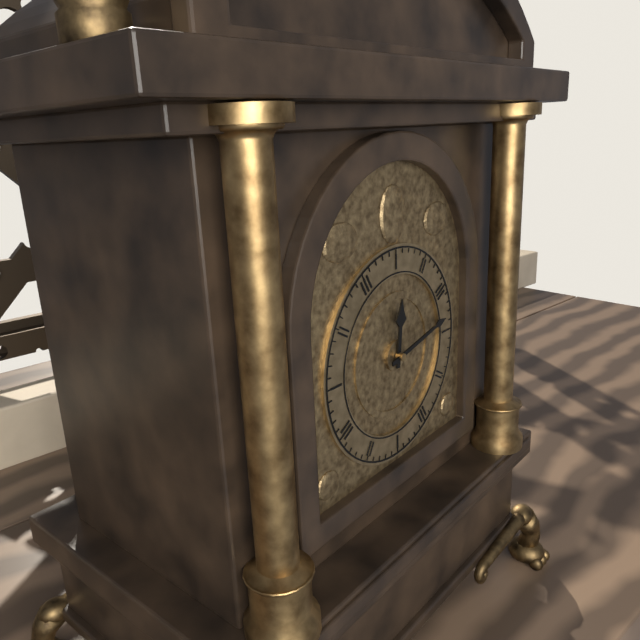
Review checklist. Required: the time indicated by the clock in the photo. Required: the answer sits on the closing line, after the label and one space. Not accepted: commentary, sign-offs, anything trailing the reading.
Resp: 12:13
